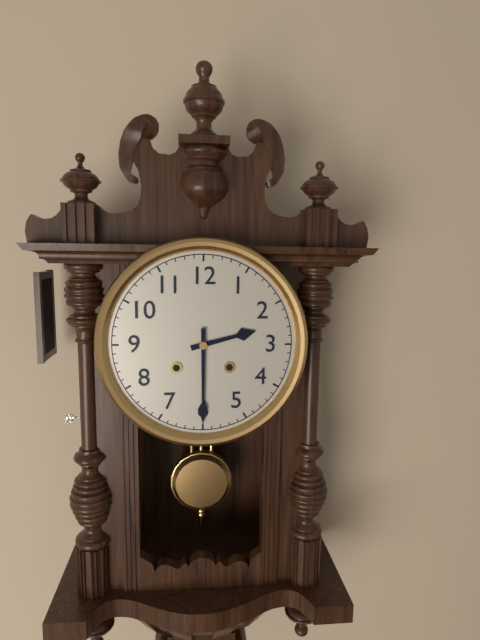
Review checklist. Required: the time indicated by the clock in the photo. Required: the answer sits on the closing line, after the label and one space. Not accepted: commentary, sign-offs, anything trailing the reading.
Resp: 2:30
